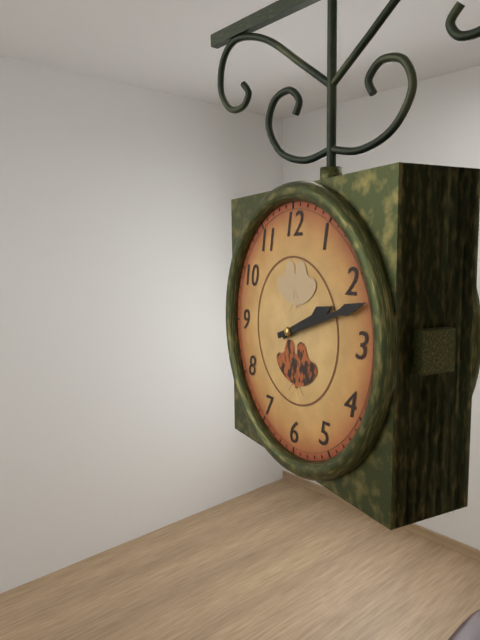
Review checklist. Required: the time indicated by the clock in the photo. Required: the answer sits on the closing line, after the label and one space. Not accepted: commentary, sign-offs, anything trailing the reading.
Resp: 2:12
